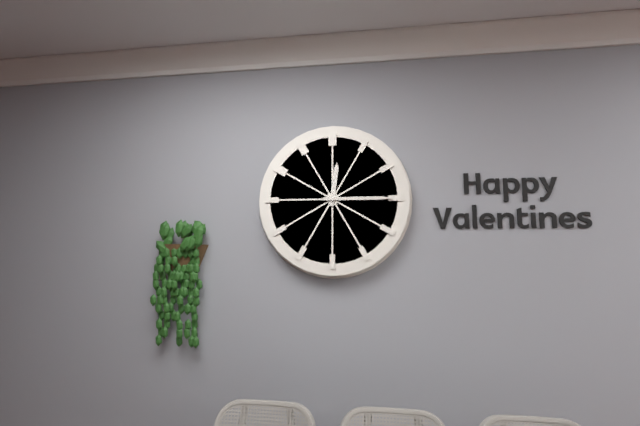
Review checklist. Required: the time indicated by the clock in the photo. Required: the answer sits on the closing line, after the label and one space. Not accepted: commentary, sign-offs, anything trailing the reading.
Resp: 12:15
